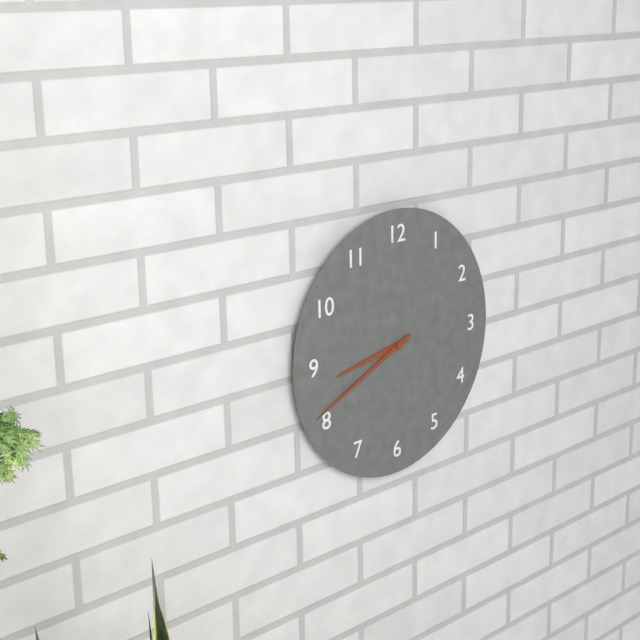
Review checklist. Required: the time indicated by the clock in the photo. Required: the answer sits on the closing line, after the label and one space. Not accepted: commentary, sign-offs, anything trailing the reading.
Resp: 8:41
